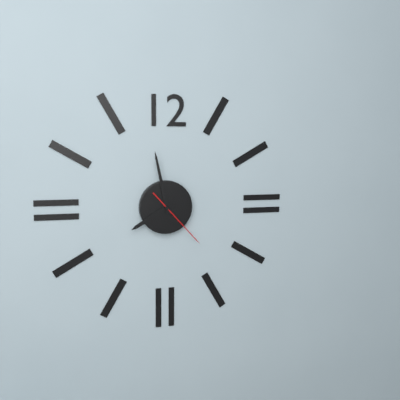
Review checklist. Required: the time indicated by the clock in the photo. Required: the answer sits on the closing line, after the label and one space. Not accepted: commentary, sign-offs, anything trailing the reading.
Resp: 7:58:23
